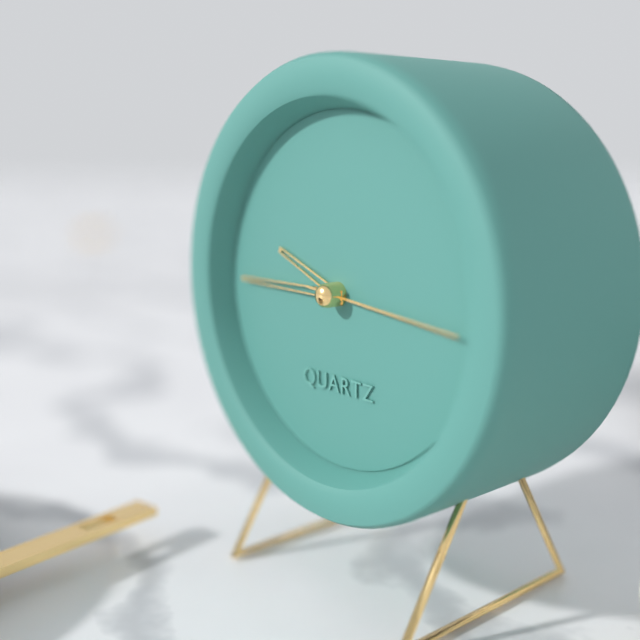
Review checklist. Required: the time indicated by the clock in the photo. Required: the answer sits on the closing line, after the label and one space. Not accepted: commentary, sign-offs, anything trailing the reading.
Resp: 9:45:16
